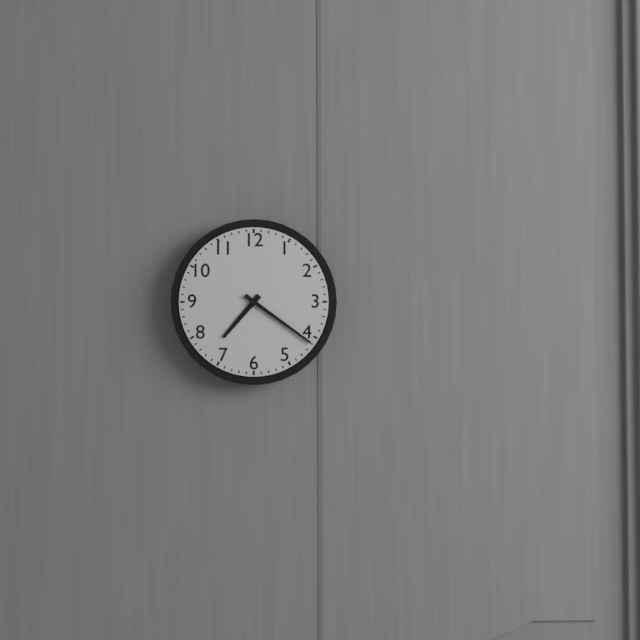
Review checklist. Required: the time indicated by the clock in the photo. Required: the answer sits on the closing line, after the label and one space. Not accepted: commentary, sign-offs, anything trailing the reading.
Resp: 7:21
